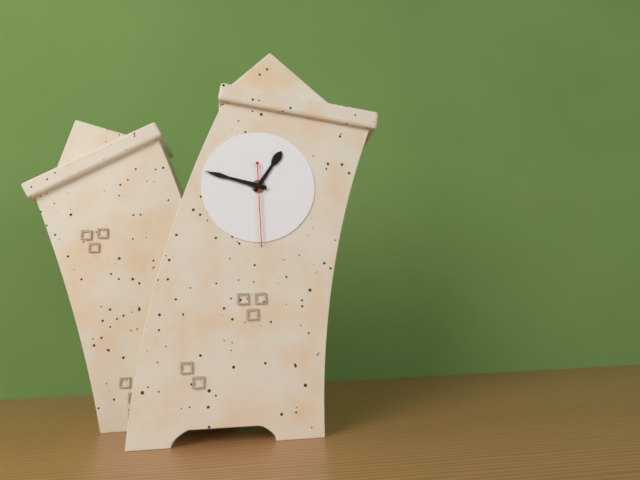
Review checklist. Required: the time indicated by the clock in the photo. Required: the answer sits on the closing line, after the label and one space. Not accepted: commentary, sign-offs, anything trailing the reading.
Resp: 12:46:28
